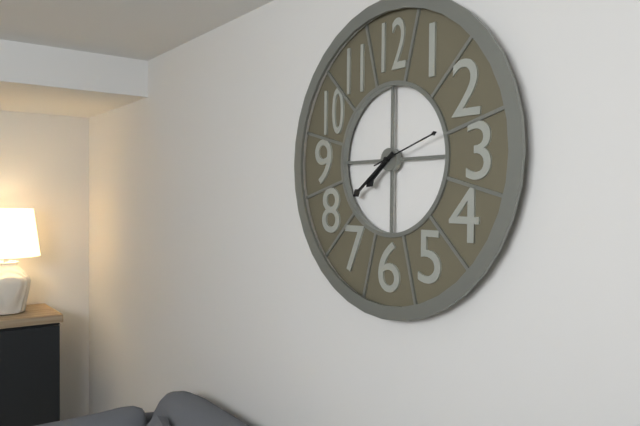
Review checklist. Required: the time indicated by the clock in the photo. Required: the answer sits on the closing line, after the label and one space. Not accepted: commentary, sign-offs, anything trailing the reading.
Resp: 7:39:12
